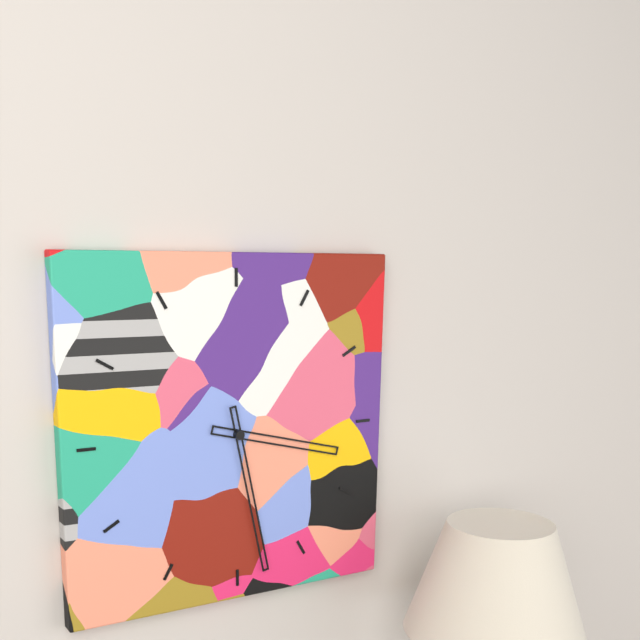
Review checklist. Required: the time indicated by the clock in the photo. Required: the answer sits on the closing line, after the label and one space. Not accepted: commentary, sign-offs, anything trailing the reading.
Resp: 3:28
